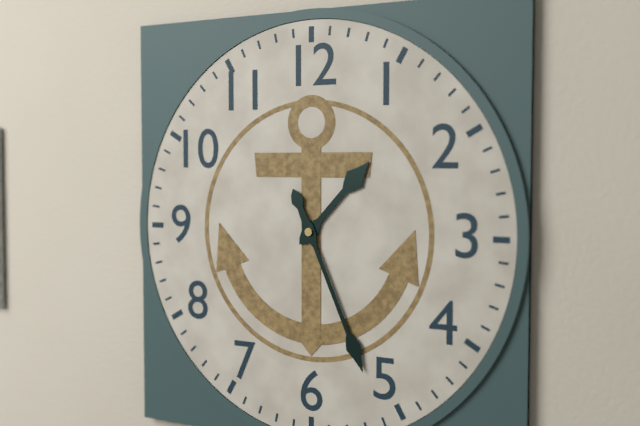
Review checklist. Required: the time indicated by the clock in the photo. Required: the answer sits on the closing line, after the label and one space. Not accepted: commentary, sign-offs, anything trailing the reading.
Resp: 1:26
